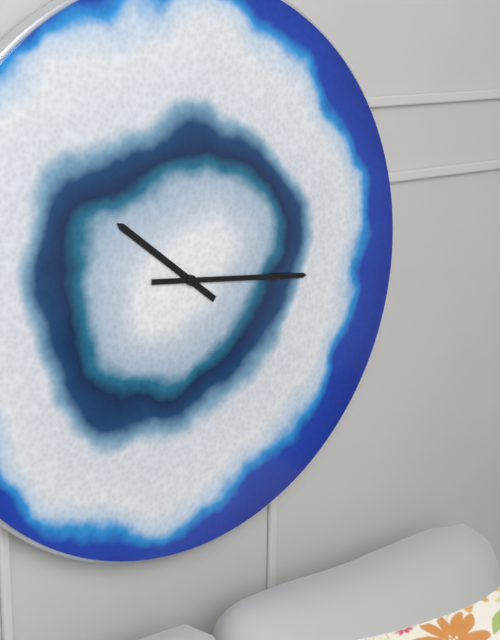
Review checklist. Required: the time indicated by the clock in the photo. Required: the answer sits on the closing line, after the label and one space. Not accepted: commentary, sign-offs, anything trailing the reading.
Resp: 10:16
